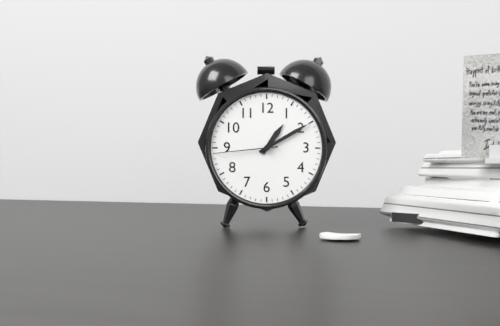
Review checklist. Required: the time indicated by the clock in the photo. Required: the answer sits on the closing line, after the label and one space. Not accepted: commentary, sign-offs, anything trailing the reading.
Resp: 1:10:44
